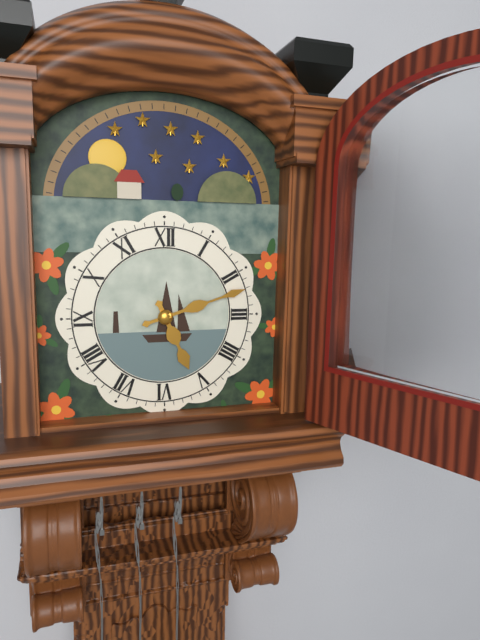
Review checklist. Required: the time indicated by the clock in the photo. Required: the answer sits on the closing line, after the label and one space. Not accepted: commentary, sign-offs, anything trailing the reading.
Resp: 5:12
